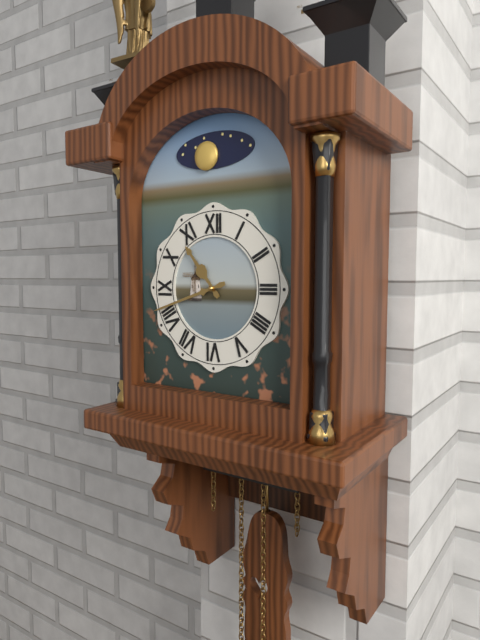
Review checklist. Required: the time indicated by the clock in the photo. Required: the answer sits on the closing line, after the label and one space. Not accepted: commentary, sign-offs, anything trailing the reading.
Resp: 10:42
